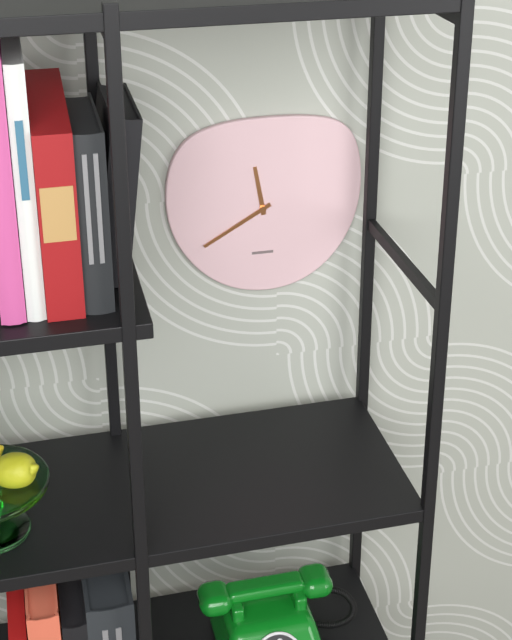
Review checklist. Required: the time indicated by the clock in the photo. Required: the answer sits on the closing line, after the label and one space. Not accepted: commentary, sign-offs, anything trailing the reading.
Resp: 11:40
